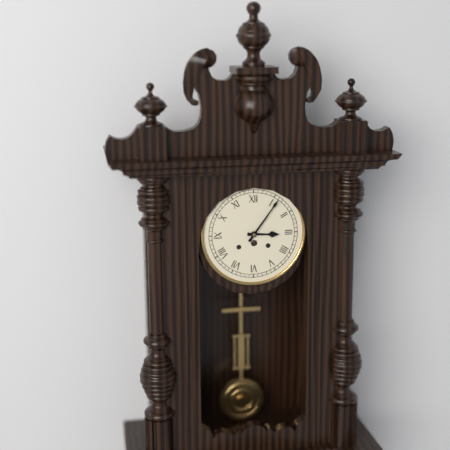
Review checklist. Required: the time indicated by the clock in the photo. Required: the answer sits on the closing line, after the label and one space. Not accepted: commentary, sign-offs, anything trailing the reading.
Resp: 3:06
